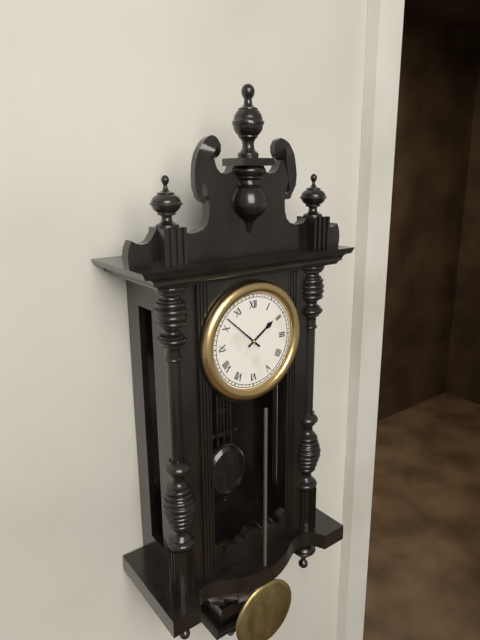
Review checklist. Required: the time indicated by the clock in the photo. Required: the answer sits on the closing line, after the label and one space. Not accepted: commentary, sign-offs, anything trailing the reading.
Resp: 1:52
